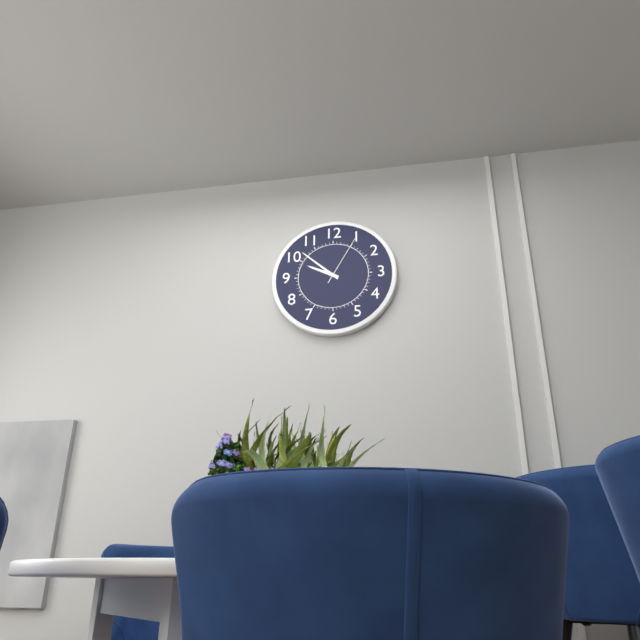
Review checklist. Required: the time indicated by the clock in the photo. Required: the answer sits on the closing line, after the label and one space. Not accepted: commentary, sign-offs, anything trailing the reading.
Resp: 9:52:05
